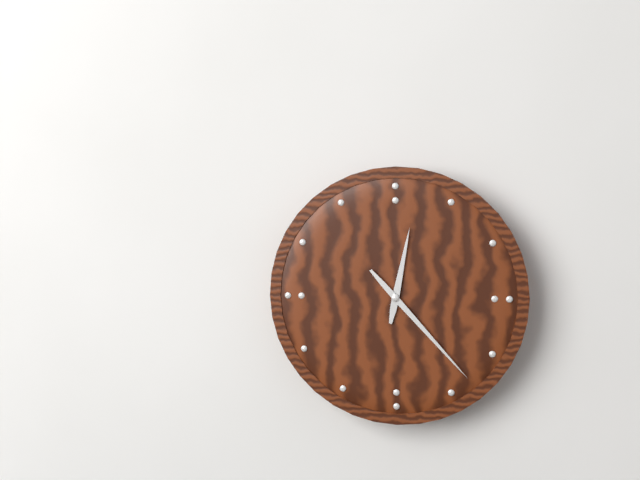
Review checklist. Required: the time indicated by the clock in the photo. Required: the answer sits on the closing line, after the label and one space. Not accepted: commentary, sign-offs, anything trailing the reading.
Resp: 12:23
